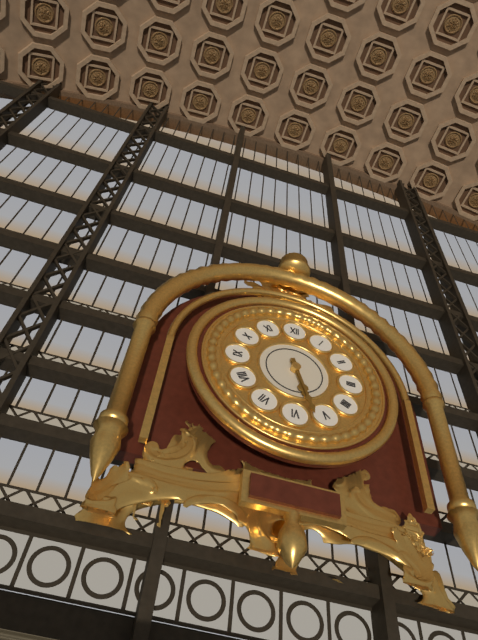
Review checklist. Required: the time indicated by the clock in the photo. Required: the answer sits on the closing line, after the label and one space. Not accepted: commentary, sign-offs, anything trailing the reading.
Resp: 5:27
